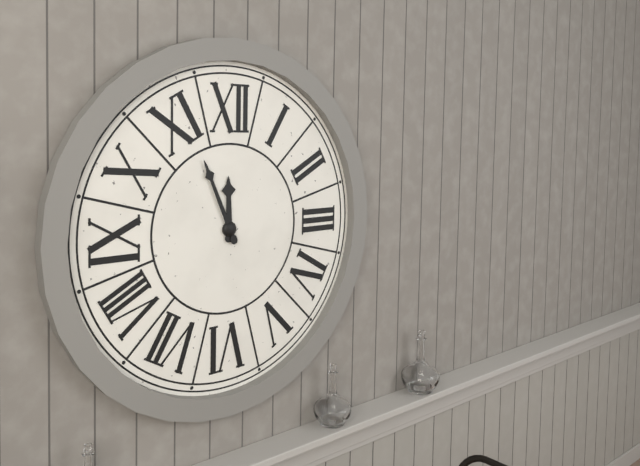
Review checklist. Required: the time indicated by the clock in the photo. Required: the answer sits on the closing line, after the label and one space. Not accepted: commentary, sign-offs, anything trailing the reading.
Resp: 11:56
